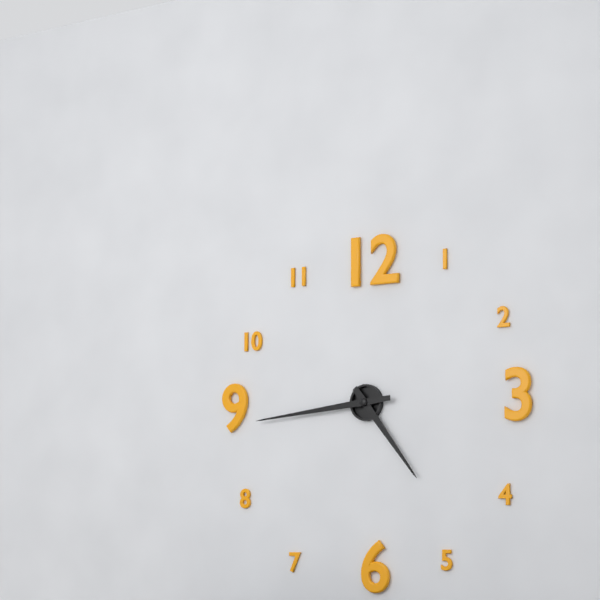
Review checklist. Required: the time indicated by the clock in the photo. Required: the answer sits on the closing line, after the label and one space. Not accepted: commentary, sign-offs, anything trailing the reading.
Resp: 4:44
